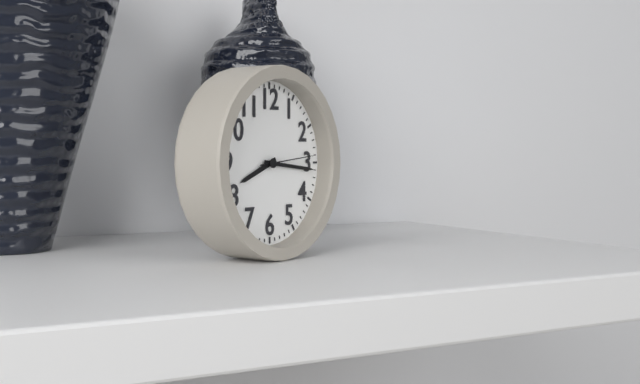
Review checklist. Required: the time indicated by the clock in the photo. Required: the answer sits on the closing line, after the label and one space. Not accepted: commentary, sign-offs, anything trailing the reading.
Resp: 8:16:14
